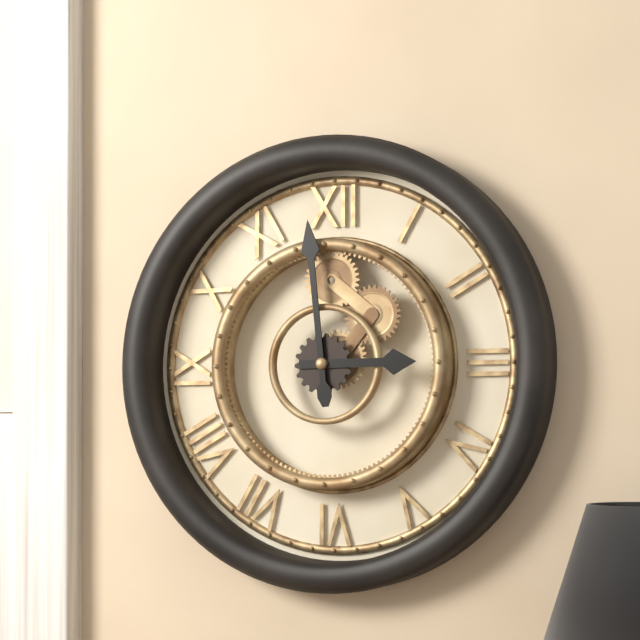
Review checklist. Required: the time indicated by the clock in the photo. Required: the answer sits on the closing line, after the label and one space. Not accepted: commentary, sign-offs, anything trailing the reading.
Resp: 2:59
